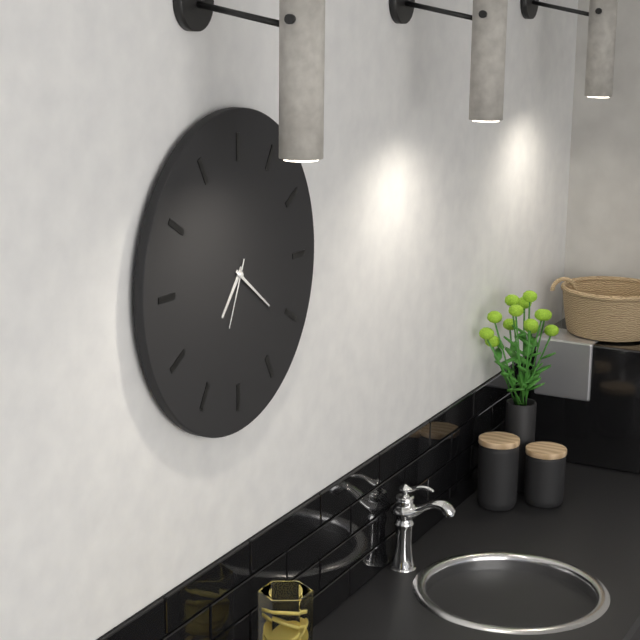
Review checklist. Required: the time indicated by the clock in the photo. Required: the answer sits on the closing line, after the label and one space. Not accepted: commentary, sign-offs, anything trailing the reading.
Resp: 7:21:34
